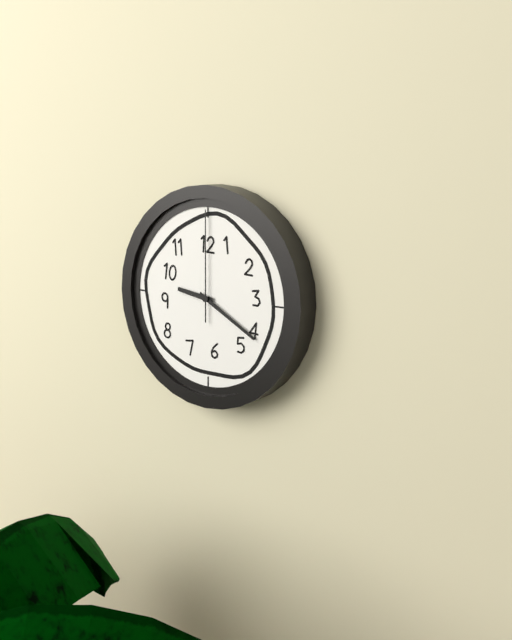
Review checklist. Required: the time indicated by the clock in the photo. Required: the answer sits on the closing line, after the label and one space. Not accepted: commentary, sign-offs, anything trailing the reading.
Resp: 9:20:00
